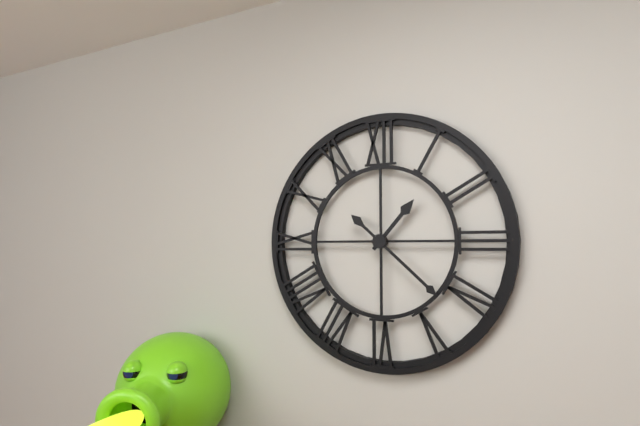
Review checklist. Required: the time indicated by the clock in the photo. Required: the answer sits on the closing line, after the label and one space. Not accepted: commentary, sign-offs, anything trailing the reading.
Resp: 1:22
